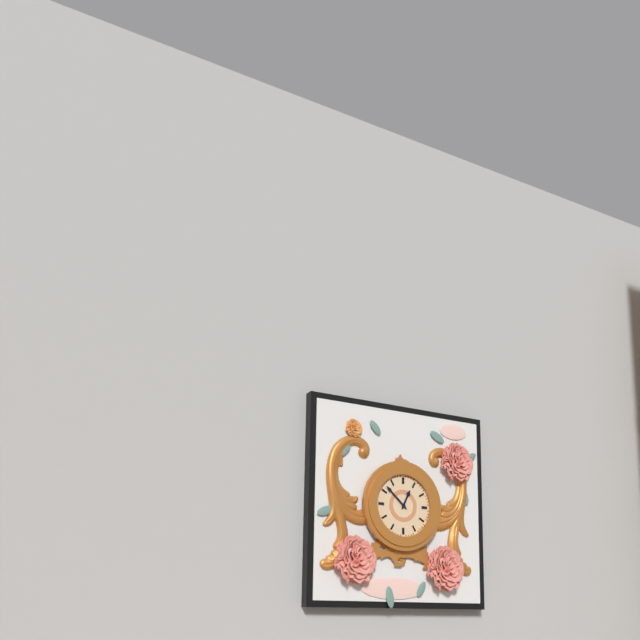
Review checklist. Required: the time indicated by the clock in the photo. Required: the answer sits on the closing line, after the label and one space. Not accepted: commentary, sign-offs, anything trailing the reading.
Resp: 12:52
